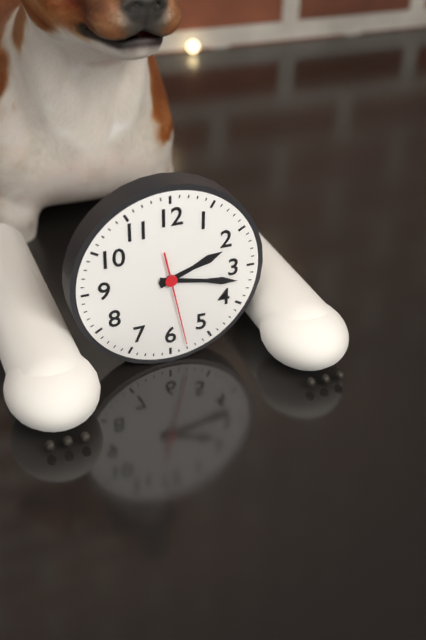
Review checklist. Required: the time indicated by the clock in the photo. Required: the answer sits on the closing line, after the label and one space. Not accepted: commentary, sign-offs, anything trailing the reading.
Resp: 2:17:28
